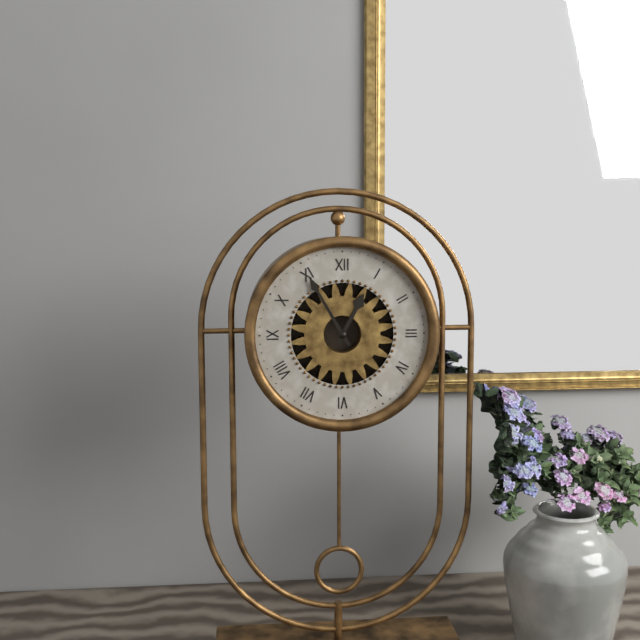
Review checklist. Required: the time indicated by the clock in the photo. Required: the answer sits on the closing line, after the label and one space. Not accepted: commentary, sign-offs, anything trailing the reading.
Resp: 12:55
